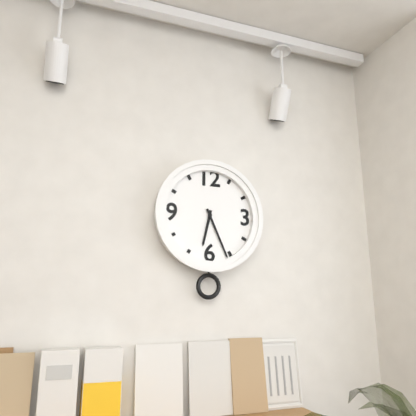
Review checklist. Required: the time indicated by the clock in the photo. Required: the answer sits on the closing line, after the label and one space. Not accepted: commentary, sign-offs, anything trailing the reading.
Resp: 6:26
